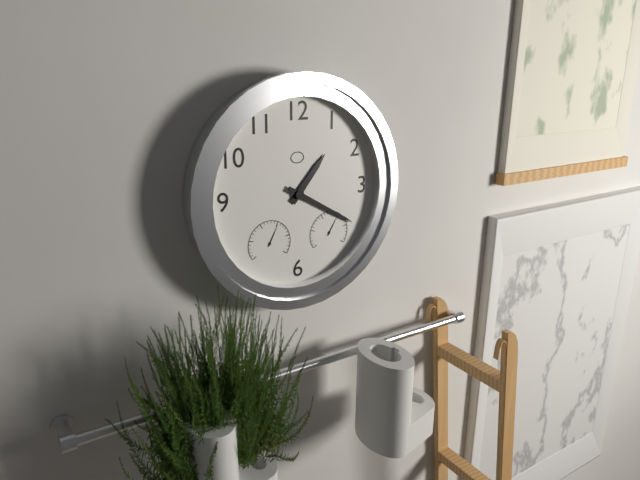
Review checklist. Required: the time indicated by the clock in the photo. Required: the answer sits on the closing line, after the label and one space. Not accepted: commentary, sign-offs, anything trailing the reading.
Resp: 1:20
